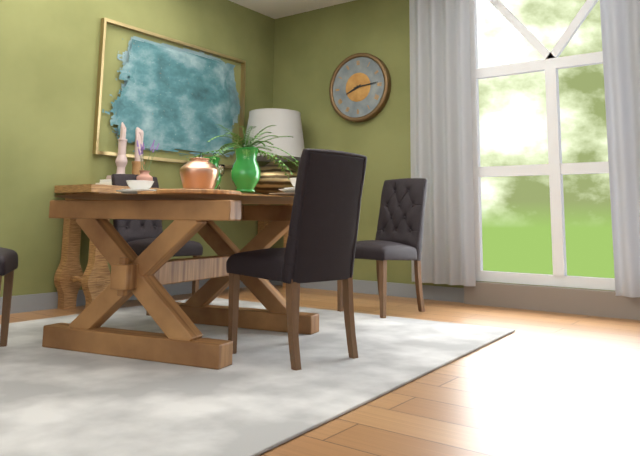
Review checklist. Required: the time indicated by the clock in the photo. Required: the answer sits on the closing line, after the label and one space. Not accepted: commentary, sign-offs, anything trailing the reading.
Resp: 8:14
